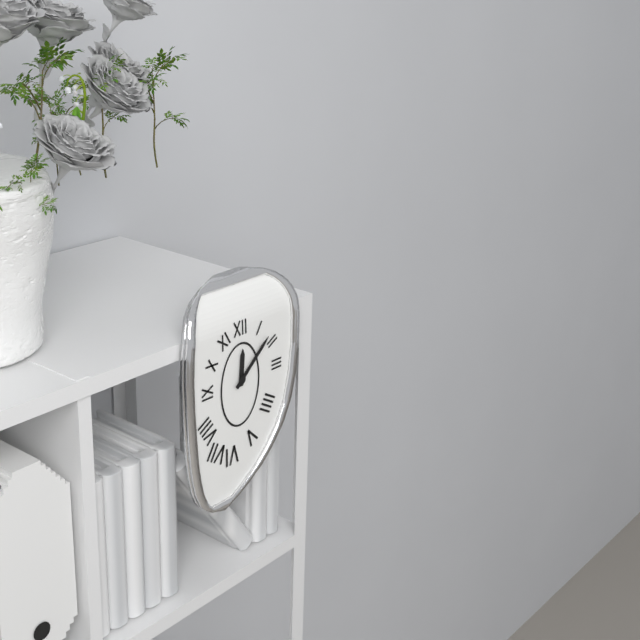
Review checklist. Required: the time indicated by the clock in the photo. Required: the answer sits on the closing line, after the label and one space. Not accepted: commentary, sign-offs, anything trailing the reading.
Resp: 12:08
